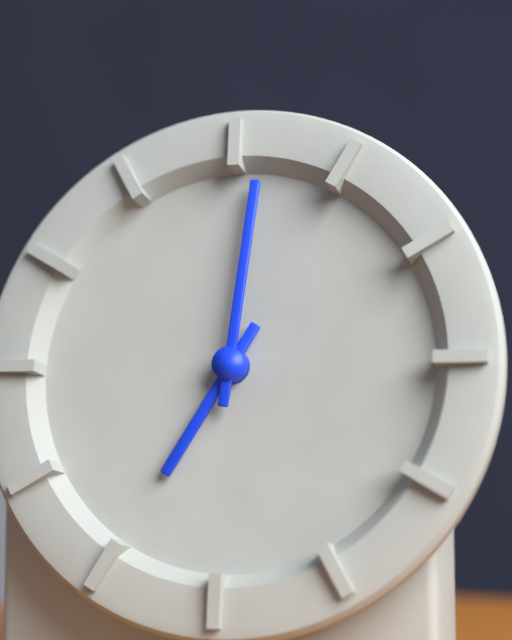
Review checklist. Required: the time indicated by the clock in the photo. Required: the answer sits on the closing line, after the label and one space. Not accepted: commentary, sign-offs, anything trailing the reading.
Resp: 7:01
